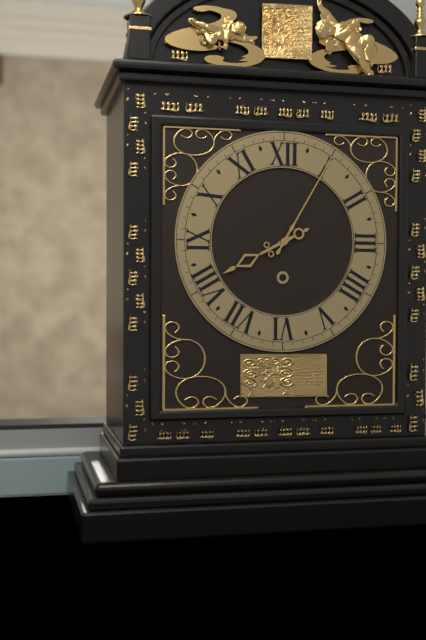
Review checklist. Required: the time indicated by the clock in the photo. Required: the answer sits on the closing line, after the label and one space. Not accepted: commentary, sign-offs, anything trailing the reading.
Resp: 8:05
